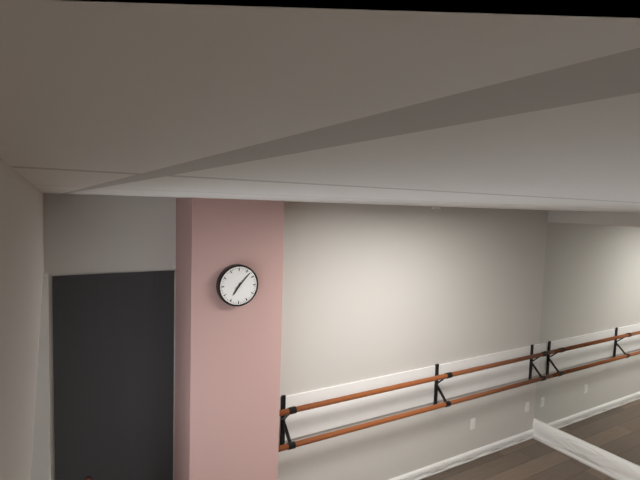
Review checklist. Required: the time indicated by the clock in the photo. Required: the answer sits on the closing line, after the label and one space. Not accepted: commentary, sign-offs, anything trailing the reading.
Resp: 7:07
